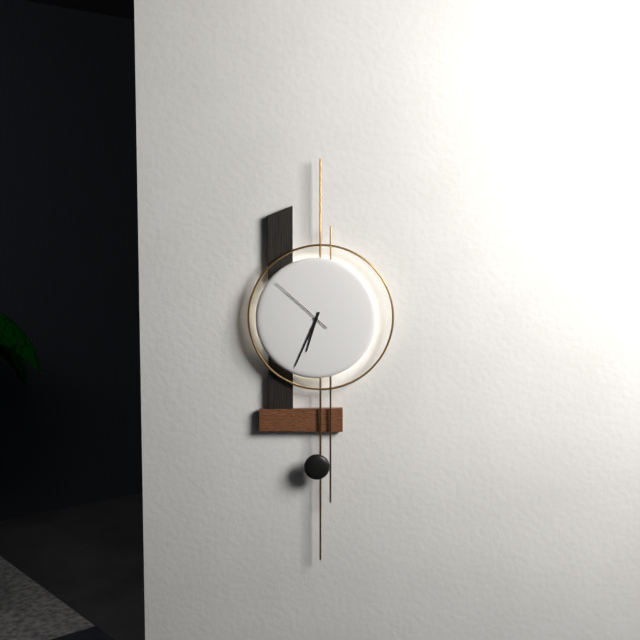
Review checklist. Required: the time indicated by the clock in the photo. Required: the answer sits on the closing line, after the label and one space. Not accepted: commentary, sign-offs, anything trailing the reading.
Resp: 6:34:52
